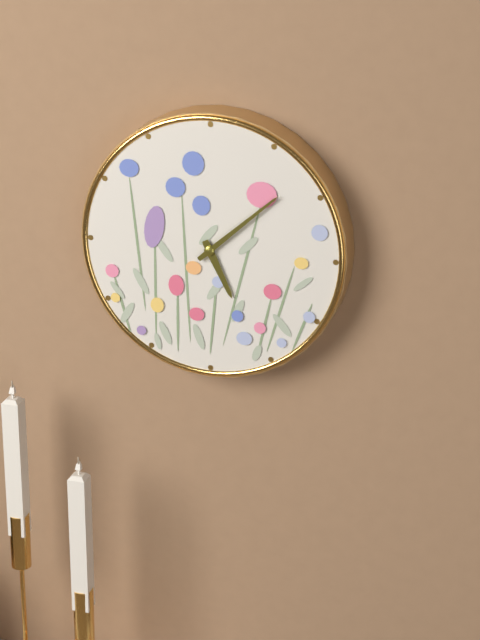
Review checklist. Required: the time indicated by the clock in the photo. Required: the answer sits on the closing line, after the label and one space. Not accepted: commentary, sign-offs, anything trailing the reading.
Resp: 5:08
